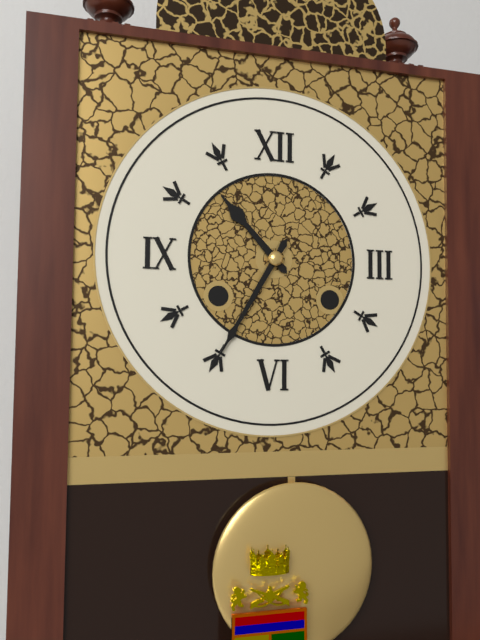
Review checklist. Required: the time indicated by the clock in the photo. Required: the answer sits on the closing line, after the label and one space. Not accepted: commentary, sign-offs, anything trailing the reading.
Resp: 10:35
